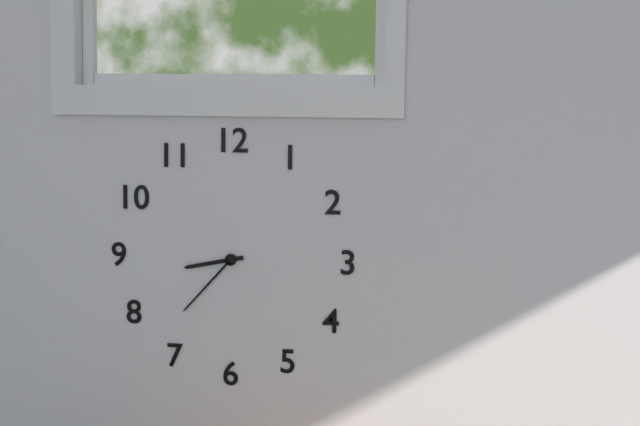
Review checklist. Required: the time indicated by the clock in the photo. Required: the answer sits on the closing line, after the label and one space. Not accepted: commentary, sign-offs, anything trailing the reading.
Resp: 8:37
